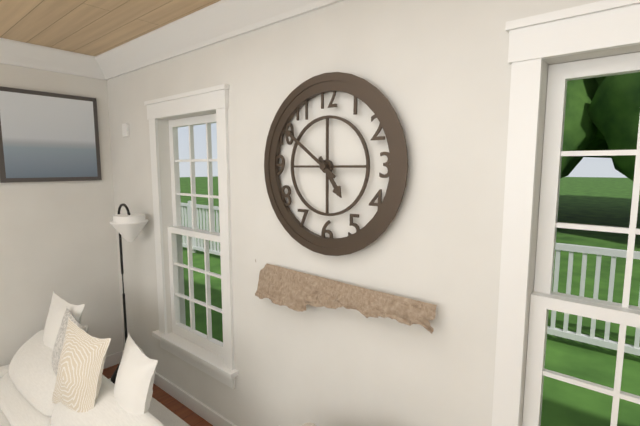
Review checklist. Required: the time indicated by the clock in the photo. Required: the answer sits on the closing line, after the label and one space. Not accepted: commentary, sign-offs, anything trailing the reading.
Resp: 4:51
